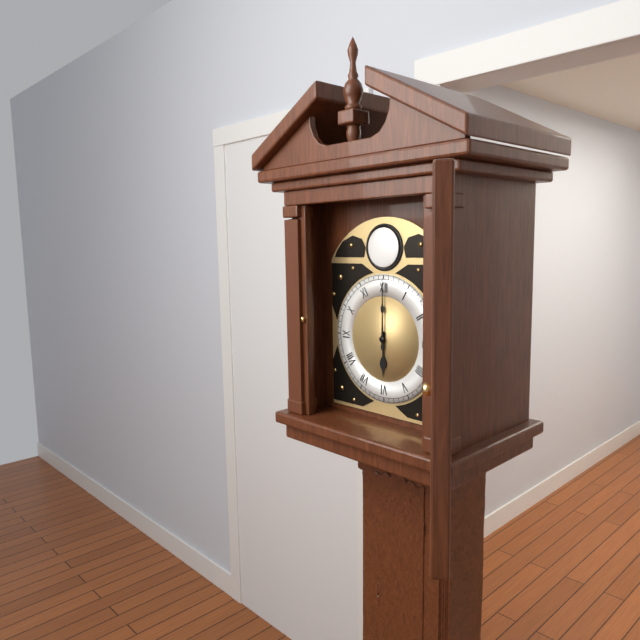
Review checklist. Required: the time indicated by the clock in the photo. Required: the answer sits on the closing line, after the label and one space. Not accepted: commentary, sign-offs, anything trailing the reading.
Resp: 6:00
